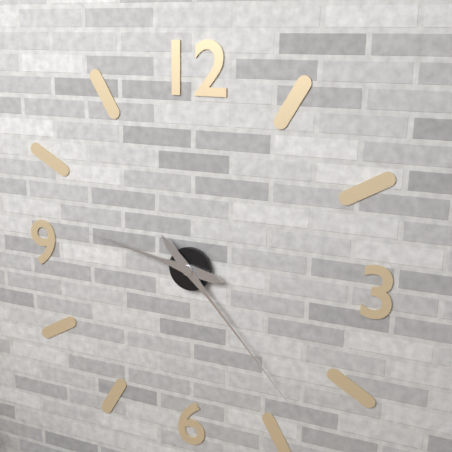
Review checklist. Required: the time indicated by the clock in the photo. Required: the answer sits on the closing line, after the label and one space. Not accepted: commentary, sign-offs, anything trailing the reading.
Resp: 9:23
